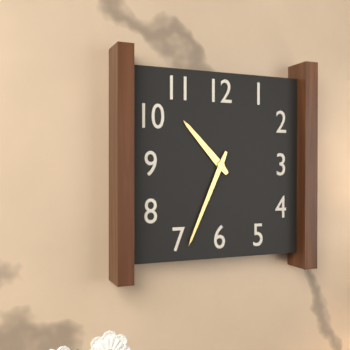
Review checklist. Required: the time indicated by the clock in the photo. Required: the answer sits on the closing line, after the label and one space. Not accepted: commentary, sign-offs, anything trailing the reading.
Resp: 10:34
